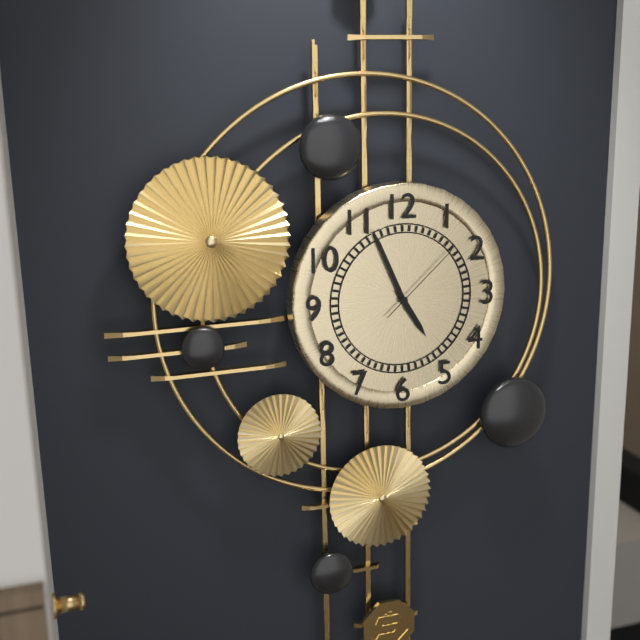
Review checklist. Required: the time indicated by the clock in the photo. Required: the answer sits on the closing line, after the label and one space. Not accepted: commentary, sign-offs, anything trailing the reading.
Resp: 4:56:08
